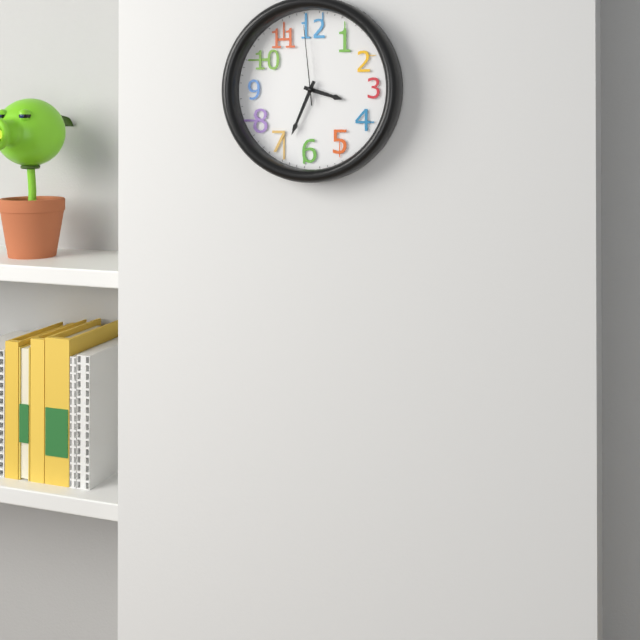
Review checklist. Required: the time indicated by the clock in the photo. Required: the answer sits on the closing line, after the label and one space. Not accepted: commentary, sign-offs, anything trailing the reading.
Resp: 3:34:59
